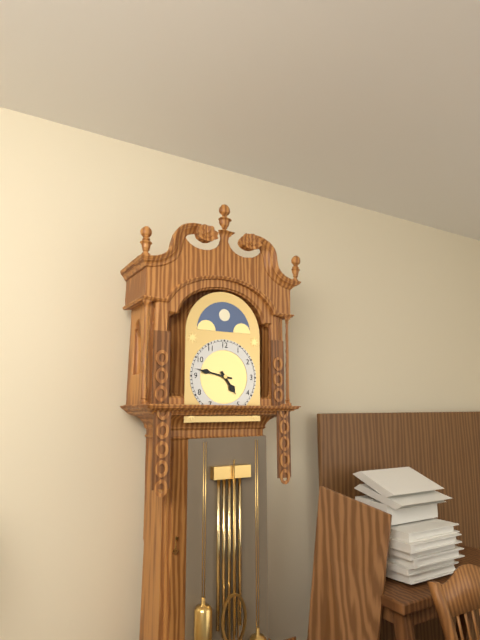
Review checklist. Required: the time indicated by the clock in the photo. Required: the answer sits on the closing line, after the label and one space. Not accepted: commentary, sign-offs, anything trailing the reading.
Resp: 4:47
